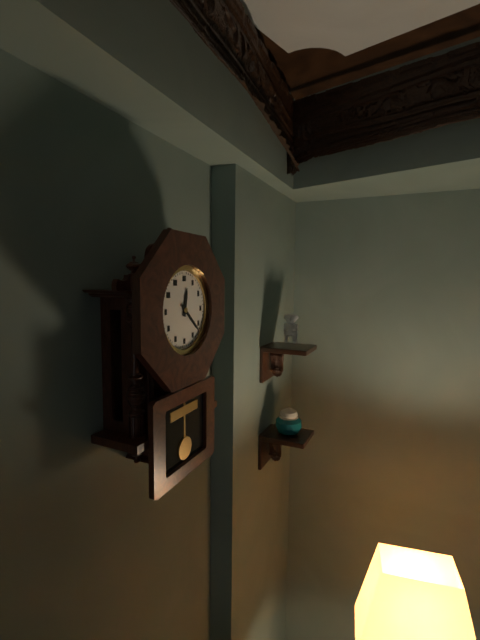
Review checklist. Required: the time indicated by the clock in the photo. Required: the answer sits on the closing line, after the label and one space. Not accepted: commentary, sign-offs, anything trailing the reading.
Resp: 12:22
